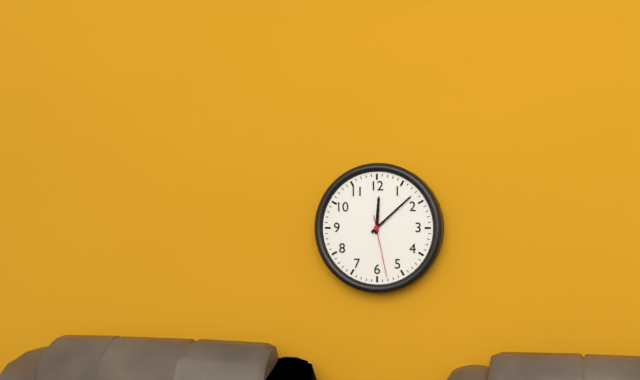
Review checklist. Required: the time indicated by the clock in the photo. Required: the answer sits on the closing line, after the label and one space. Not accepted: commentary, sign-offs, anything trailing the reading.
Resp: 12:08:28
